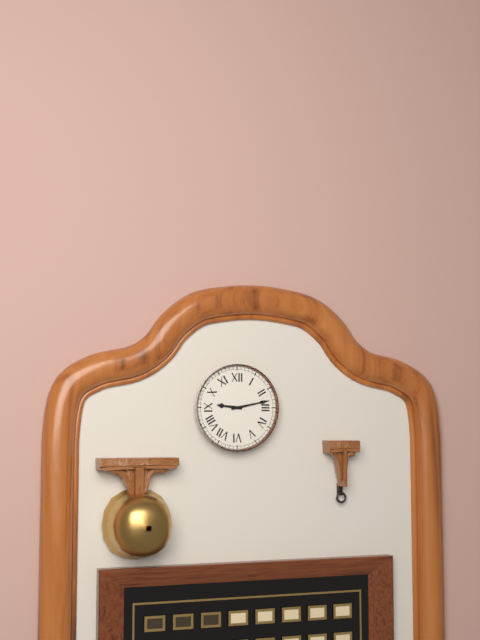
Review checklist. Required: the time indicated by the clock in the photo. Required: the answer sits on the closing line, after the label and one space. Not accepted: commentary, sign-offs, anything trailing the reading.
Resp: 9:13
